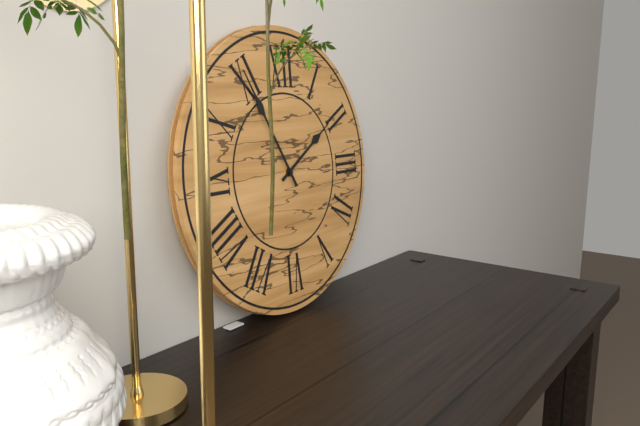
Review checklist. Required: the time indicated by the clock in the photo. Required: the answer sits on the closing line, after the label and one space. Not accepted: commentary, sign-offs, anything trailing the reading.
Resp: 1:55
